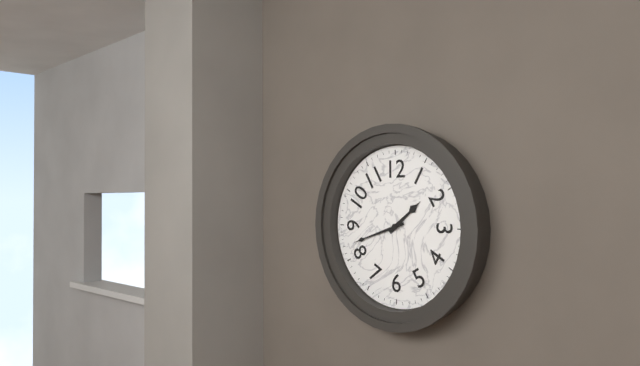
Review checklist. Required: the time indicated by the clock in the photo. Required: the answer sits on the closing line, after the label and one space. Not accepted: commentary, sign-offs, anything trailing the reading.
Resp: 1:42
